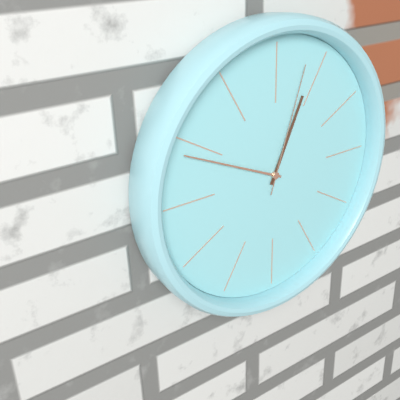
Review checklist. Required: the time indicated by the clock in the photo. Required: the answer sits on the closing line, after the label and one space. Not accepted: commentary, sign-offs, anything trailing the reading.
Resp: 12:49:03
